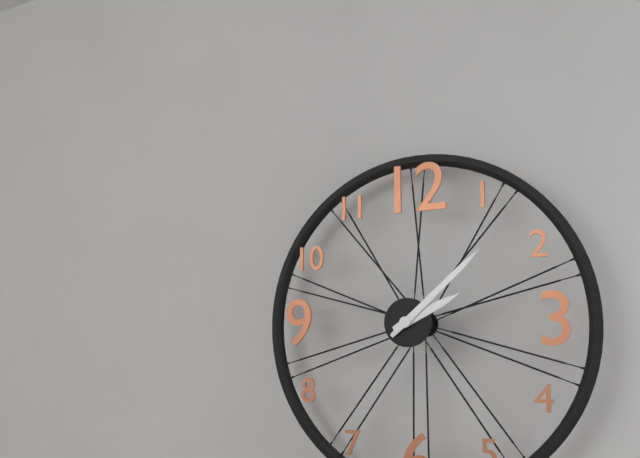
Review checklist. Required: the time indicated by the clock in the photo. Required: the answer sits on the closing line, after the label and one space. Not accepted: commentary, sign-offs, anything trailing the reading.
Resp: 2:08
